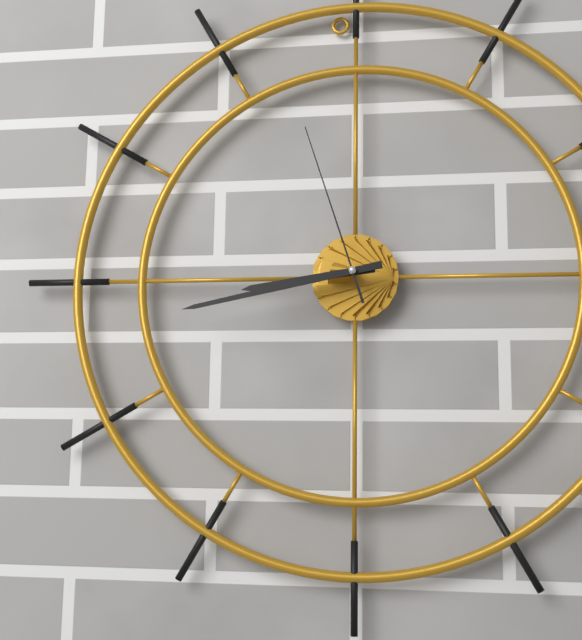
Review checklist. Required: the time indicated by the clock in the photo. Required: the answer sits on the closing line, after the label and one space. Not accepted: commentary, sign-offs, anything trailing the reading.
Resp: 8:43:57
